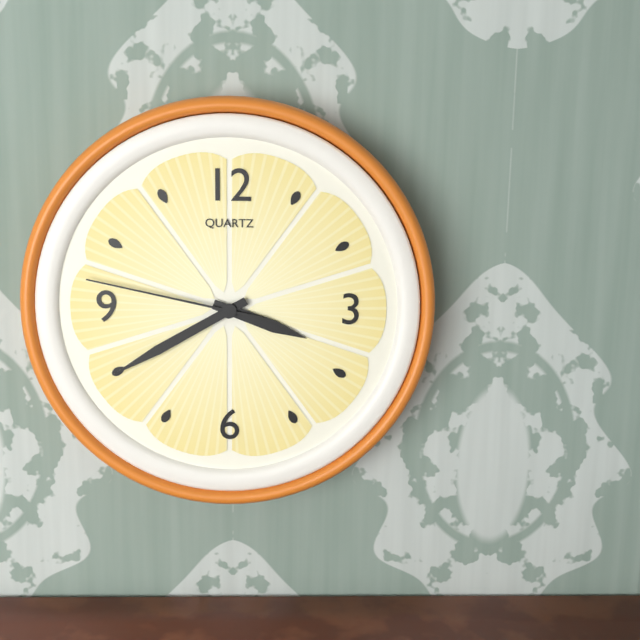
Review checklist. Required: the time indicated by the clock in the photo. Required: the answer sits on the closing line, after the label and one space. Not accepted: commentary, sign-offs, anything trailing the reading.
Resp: 3:40:47
